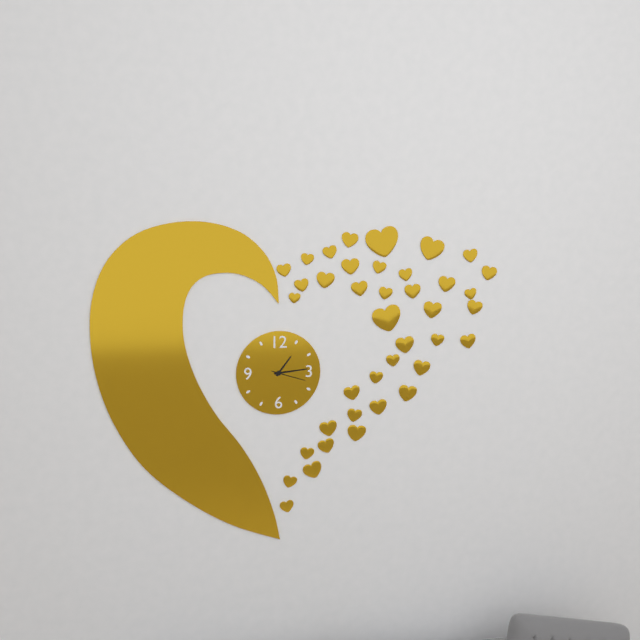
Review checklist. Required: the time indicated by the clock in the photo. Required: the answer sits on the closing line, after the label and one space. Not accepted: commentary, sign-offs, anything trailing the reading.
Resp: 1:14
